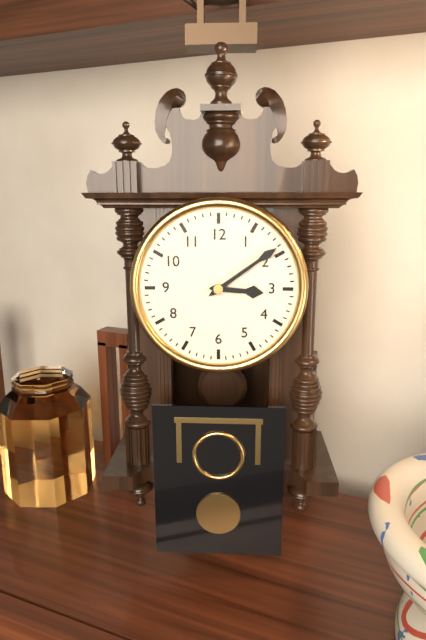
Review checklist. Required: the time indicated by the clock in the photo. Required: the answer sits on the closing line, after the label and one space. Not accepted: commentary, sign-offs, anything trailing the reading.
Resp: 3:09
